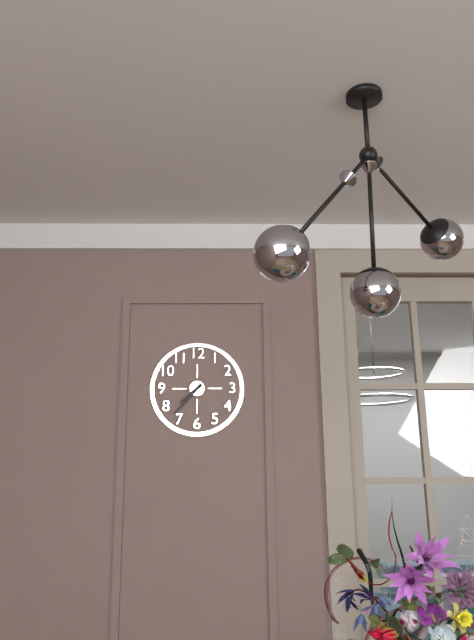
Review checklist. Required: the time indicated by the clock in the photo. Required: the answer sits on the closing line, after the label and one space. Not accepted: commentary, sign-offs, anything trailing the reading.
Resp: 7:37
